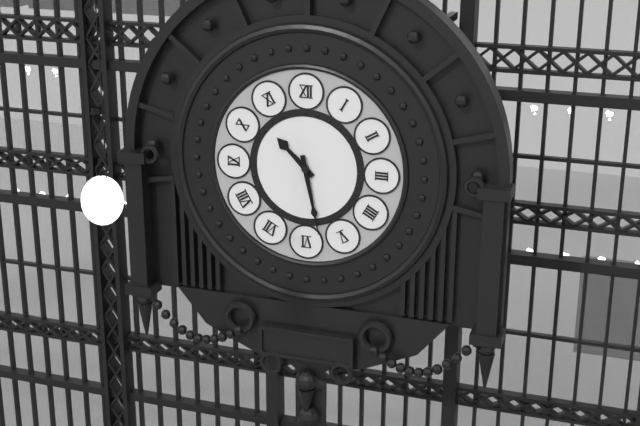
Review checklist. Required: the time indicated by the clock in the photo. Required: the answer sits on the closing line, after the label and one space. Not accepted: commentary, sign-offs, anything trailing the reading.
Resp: 10:28
